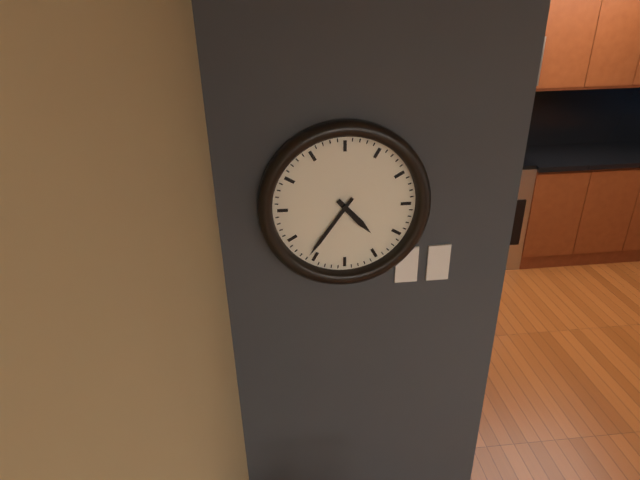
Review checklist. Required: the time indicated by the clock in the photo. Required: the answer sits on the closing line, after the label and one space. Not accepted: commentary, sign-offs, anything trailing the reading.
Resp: 4:36
